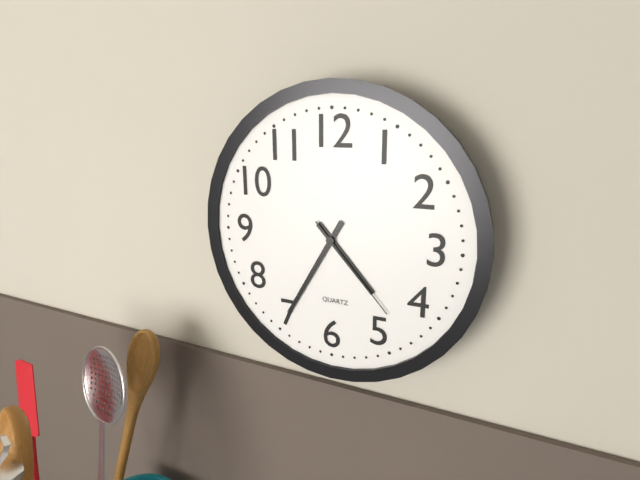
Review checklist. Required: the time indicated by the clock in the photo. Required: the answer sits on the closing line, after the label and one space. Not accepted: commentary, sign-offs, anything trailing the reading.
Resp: 4:35:23
